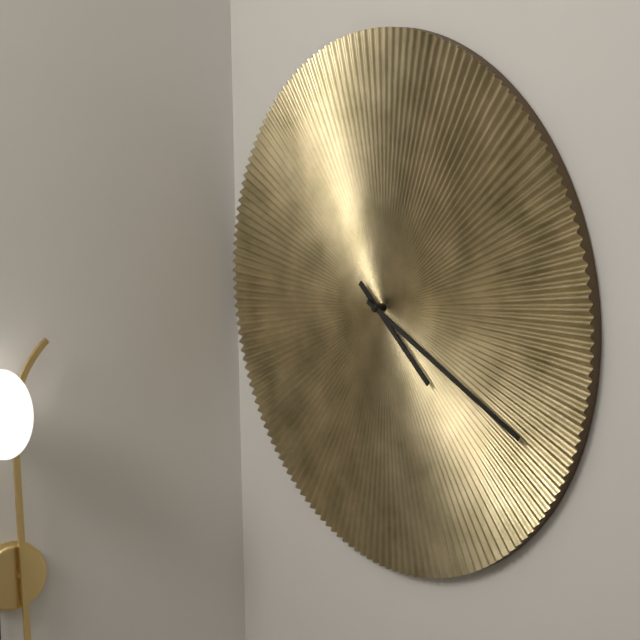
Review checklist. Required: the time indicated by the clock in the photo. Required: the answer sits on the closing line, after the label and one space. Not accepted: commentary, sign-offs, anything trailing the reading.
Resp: 4:19
